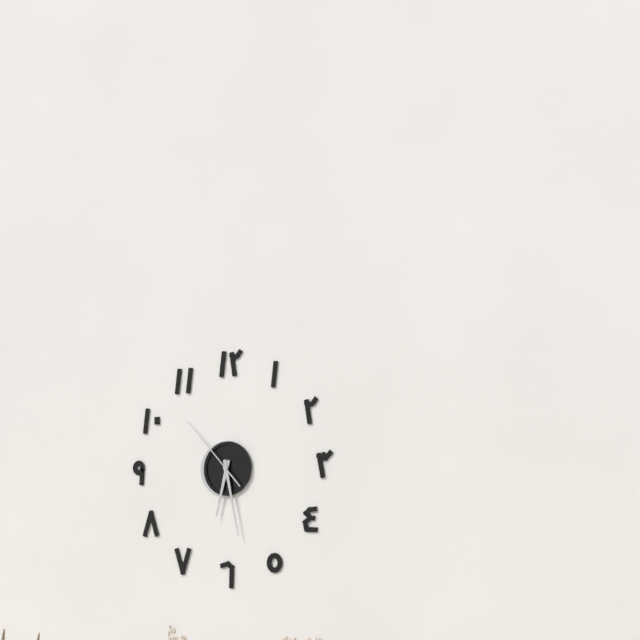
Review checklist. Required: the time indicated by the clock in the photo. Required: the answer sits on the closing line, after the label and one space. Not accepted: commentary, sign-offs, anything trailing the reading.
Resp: 6:28:53
